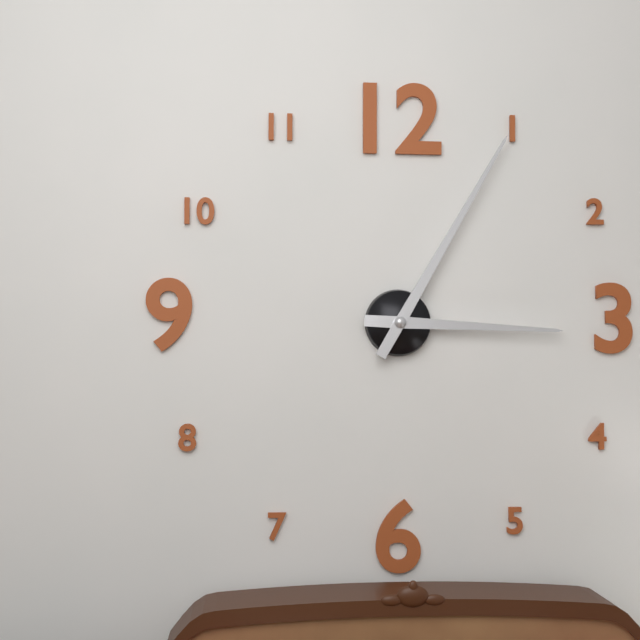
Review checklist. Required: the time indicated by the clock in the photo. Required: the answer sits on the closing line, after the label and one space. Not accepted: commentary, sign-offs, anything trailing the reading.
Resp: 3:05
